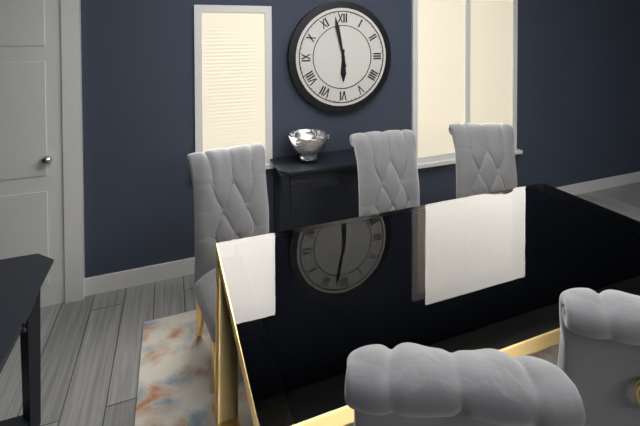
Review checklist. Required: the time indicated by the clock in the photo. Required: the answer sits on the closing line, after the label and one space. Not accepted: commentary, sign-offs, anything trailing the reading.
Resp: 5:58
